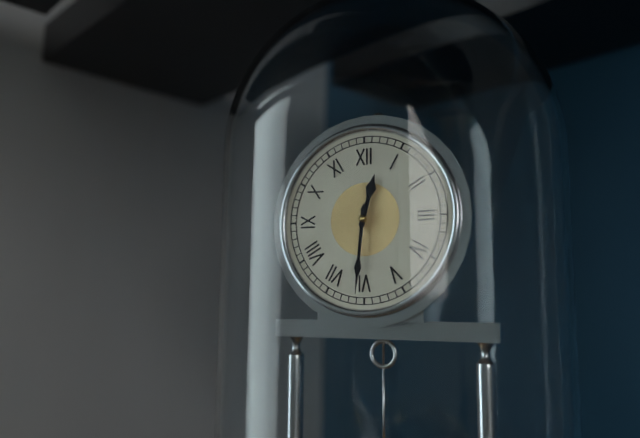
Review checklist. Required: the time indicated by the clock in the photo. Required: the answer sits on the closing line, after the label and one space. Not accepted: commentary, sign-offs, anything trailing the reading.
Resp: 12:31
